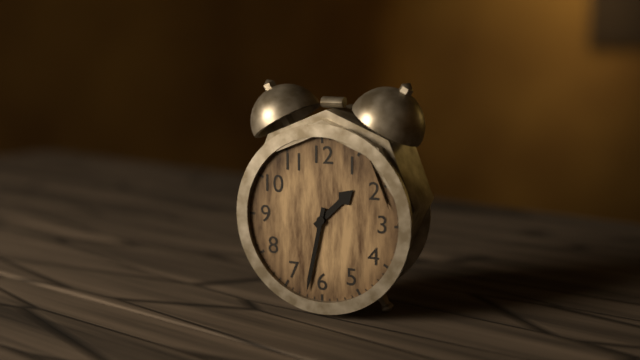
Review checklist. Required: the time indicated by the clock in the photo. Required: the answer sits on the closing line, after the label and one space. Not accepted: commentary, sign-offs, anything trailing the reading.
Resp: 1:32
